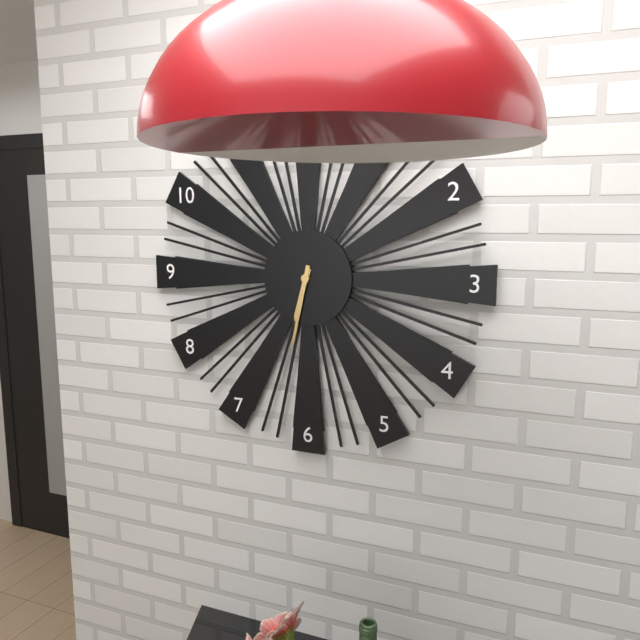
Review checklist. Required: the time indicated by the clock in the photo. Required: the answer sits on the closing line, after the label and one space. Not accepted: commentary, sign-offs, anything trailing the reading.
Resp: 6:32
